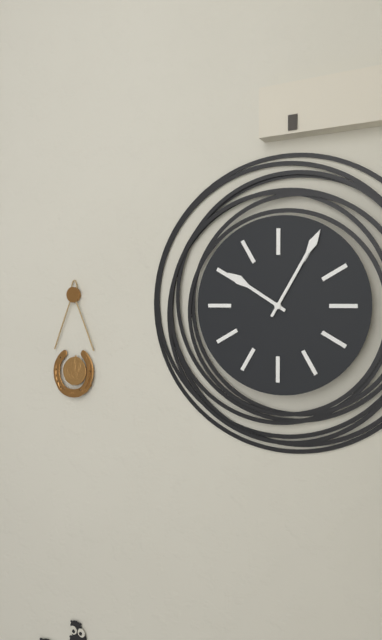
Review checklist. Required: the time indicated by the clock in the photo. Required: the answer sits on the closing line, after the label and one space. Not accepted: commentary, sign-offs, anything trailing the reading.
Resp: 10:05
